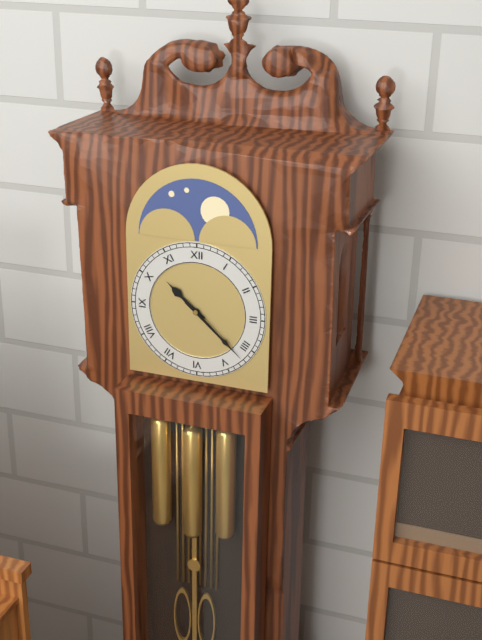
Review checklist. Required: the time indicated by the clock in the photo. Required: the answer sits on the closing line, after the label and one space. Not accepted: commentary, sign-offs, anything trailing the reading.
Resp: 10:22
